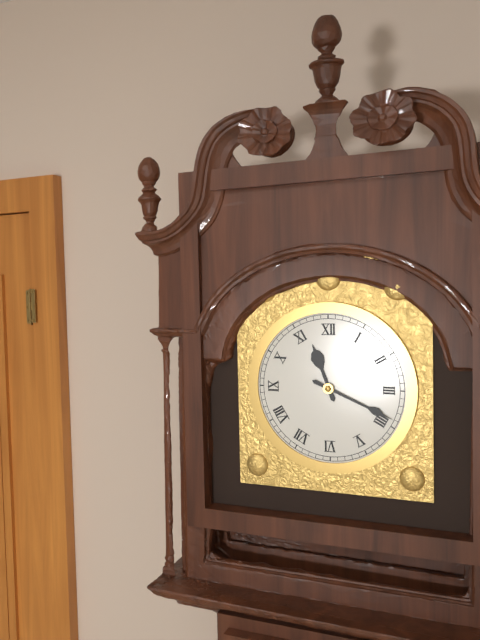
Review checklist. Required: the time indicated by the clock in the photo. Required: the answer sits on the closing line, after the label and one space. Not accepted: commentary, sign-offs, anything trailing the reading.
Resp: 11:19
